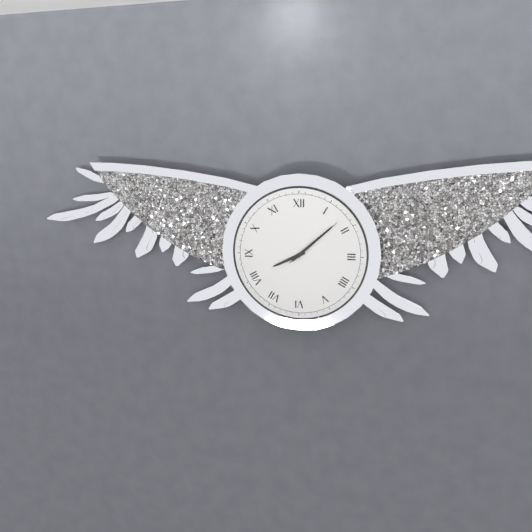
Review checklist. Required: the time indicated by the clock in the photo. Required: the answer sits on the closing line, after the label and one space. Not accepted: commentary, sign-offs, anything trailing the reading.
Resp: 8:08:08
